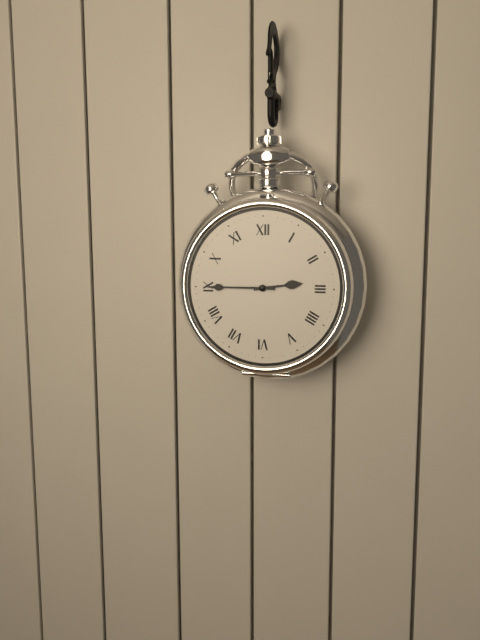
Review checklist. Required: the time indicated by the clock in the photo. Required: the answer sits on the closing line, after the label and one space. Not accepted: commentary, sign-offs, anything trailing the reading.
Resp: 2:45
